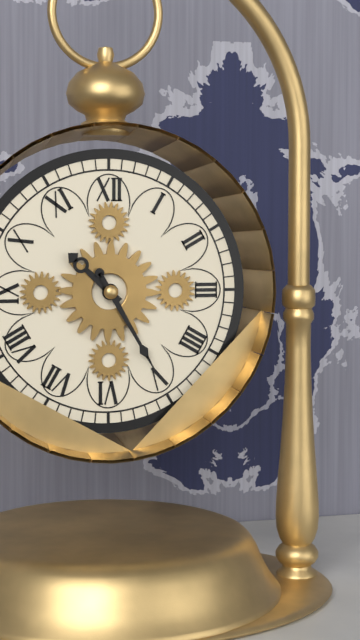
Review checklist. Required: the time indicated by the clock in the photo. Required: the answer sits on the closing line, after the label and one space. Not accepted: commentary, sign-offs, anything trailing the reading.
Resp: 10:25
